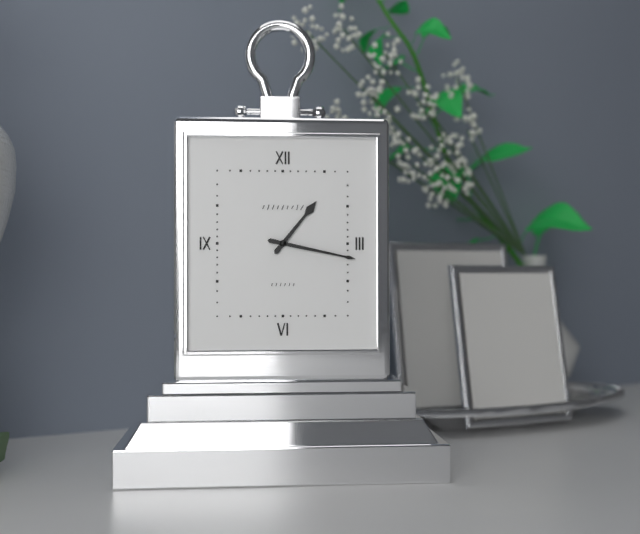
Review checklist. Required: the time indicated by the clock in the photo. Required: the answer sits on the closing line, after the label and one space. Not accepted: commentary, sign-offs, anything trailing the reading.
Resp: 1:17
